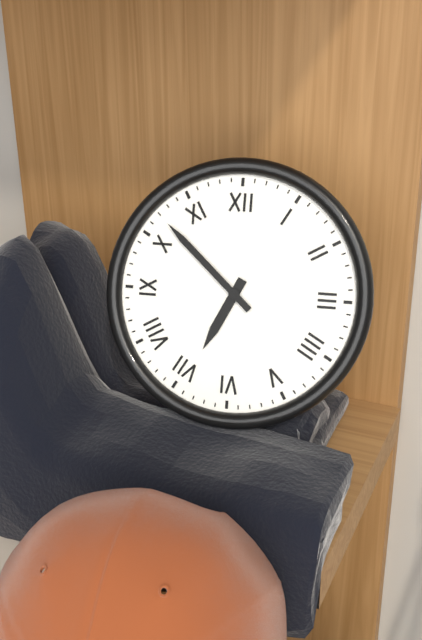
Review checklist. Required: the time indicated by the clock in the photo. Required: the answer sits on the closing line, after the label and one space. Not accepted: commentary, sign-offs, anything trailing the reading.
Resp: 6:52
